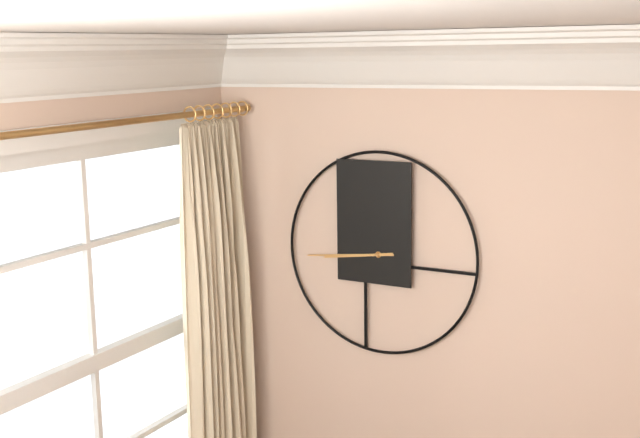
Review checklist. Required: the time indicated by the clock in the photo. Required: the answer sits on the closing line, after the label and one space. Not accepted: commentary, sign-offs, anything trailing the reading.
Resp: 8:44
